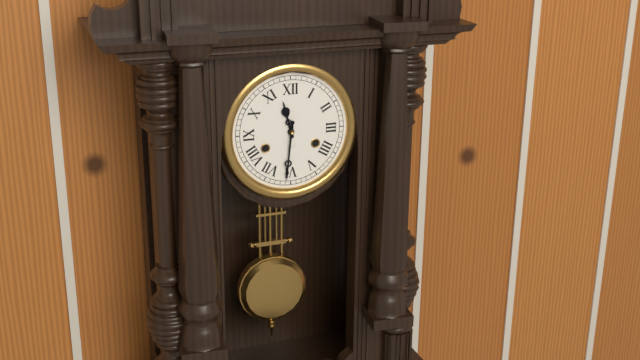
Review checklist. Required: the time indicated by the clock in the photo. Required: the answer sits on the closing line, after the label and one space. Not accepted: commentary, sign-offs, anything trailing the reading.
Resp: 11:31
